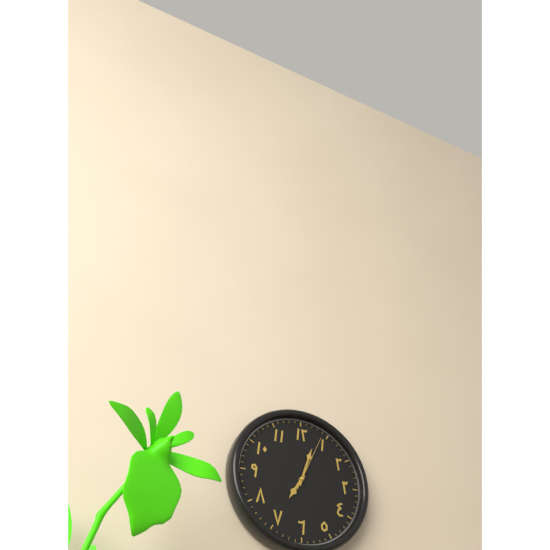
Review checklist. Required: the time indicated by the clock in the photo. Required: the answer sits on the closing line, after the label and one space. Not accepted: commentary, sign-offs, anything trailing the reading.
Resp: 7:03:04
